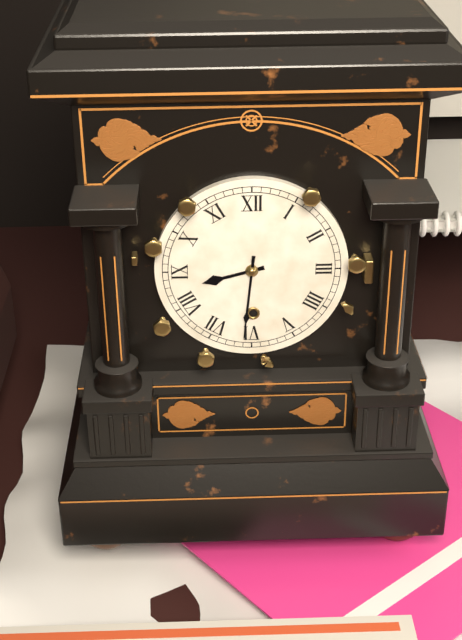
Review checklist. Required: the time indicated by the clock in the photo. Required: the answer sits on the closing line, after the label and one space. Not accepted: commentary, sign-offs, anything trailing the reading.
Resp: 8:31
